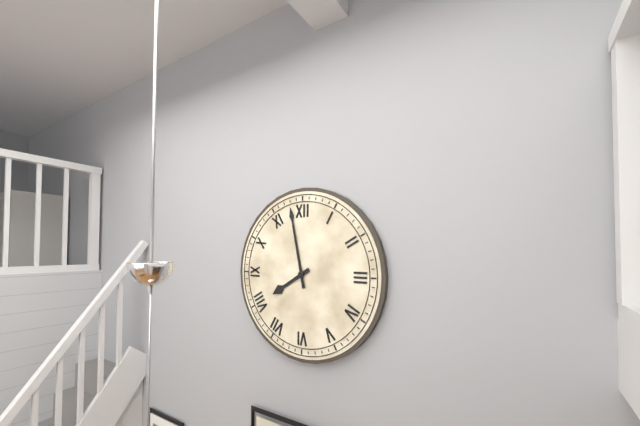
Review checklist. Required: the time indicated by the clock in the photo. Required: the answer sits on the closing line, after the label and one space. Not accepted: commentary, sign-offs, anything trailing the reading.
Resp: 7:58
